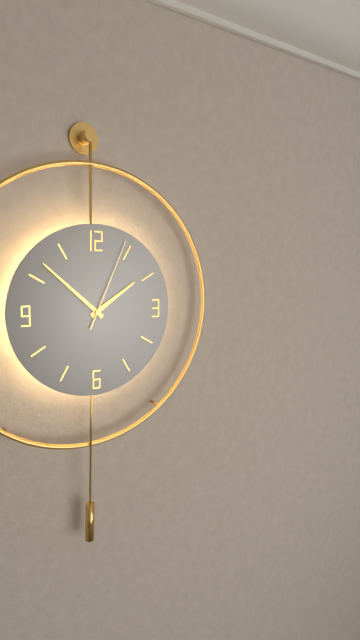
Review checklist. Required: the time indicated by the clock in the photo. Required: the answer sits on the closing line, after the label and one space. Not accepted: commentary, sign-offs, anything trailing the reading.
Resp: 1:52:04
